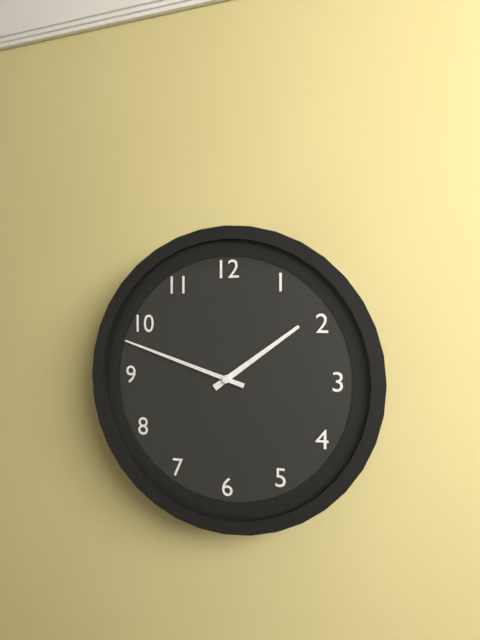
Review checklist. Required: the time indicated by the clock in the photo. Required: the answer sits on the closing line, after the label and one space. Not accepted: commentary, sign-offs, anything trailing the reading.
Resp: 1:48
